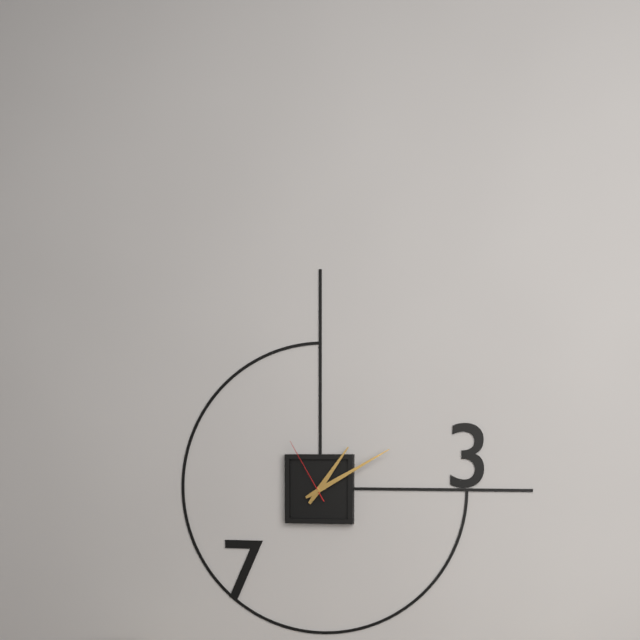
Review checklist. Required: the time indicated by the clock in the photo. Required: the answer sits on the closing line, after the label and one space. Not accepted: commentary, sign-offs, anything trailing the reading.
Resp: 1:10:55
